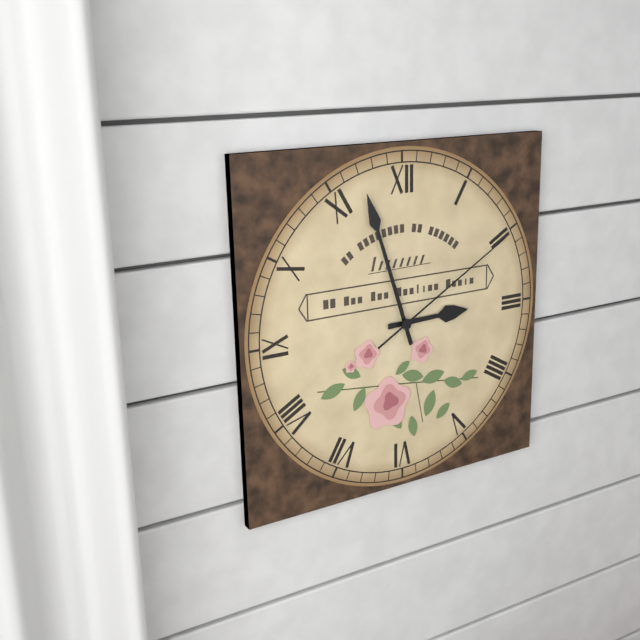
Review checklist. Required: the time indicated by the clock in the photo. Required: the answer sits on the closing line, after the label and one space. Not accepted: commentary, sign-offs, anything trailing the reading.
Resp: 2:57:10
